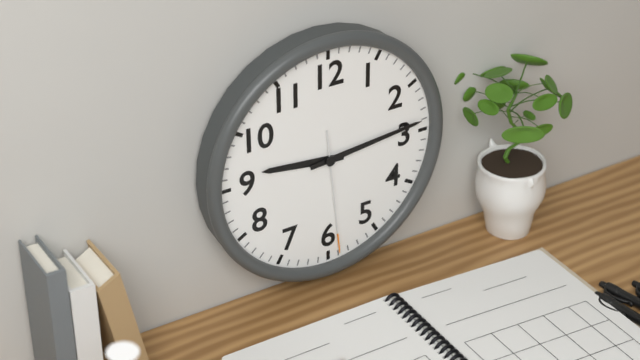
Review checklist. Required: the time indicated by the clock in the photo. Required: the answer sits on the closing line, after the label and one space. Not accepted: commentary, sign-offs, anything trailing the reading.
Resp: 9:14:29
